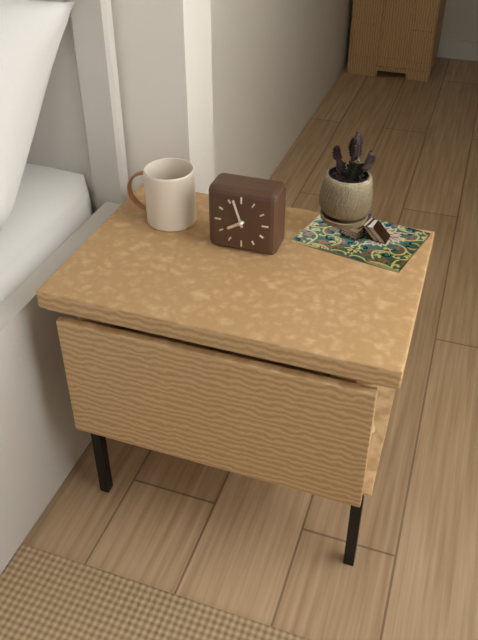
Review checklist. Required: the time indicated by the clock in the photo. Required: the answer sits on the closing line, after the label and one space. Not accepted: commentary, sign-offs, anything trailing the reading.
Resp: 7:57
